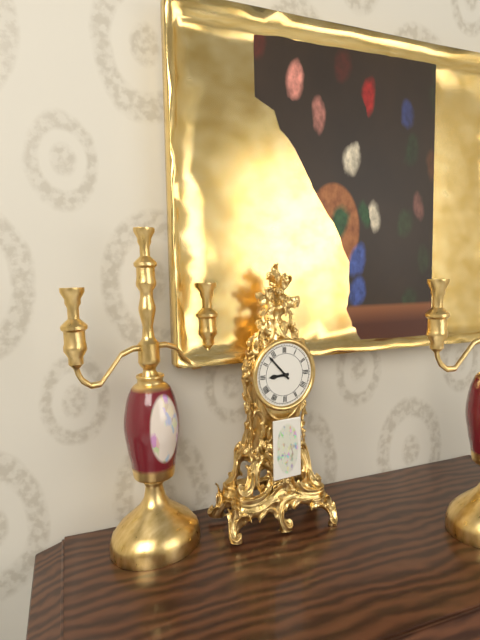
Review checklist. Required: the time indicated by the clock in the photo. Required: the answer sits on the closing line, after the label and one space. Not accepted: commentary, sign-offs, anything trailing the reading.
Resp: 8:53
